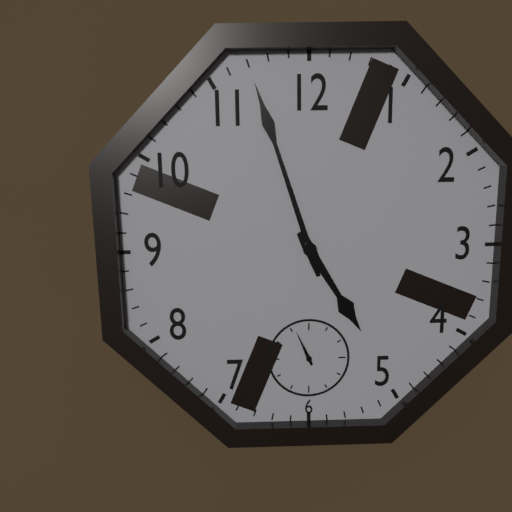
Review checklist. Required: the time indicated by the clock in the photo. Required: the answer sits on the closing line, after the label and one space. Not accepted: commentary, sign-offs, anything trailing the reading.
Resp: 4:57
